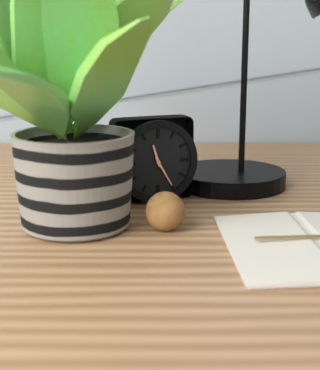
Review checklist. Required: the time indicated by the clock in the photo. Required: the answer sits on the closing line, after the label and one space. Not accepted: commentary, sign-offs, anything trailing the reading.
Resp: 11:25
